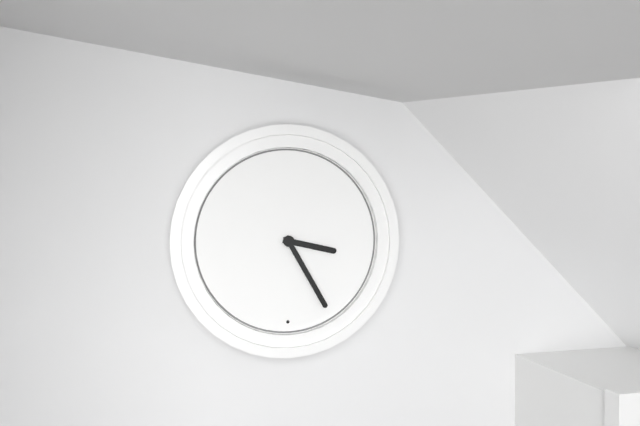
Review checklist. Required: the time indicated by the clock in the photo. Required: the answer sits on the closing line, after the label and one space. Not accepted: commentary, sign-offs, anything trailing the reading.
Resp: 3:25
